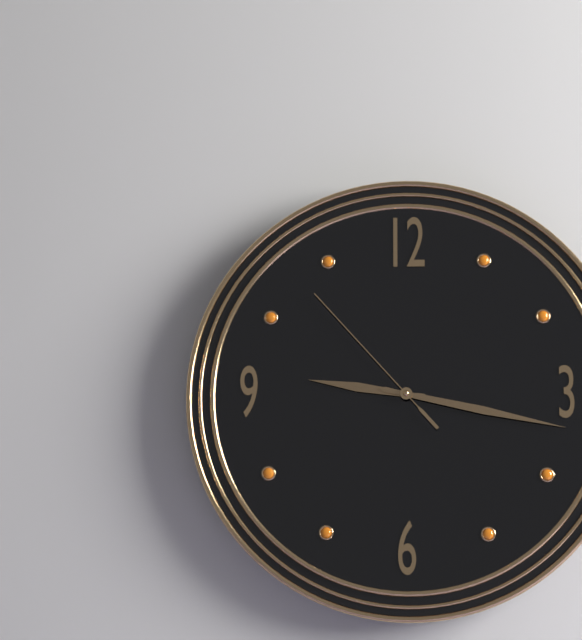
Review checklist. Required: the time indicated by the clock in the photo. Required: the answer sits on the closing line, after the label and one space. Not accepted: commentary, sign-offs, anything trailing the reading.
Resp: 9:17:53
